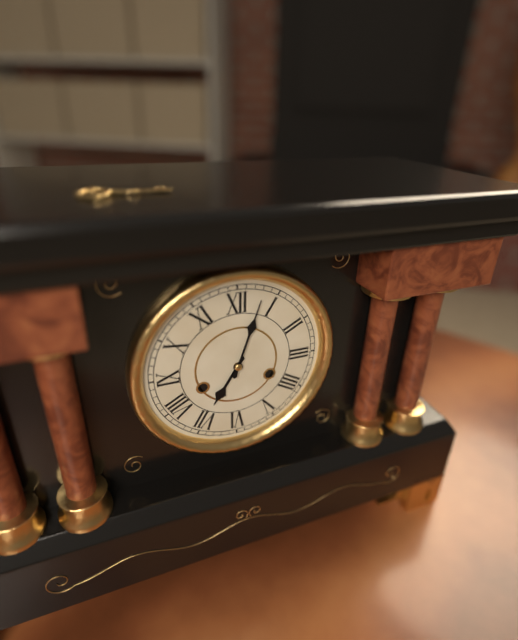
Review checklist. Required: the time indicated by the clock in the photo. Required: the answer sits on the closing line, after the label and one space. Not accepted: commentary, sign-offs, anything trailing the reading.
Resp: 7:03
